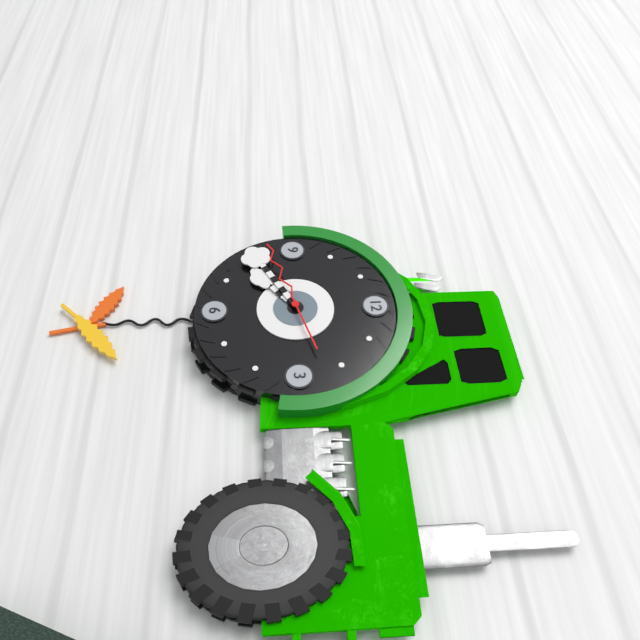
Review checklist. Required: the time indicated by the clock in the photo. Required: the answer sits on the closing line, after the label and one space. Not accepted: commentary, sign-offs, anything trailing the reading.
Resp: 7:40:42
